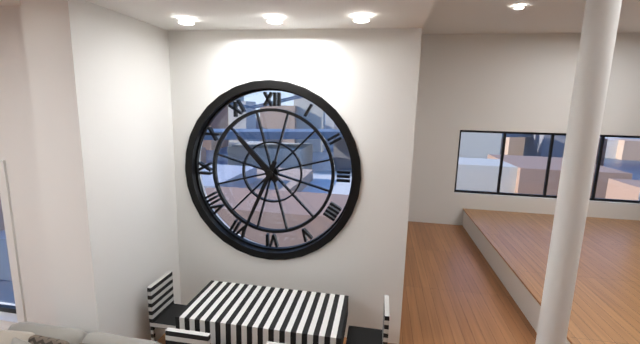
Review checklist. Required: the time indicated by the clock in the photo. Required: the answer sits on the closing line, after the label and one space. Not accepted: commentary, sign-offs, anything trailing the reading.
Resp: 10:34
